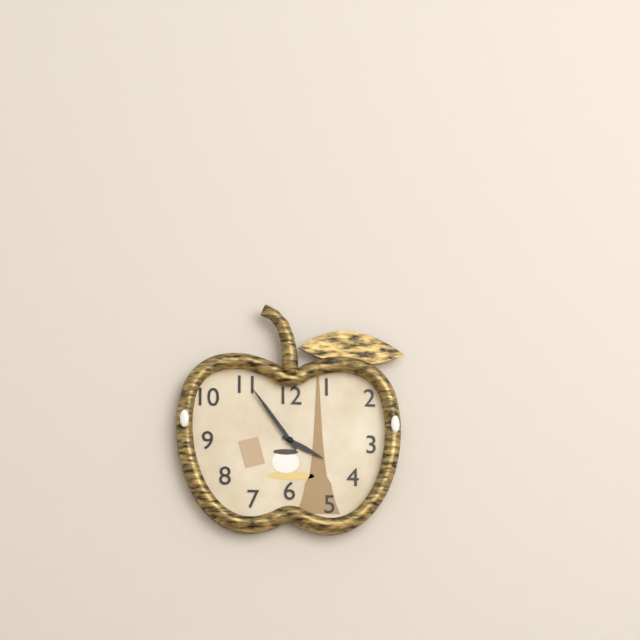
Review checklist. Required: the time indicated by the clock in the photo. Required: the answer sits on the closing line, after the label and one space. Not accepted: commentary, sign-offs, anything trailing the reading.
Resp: 3:54
